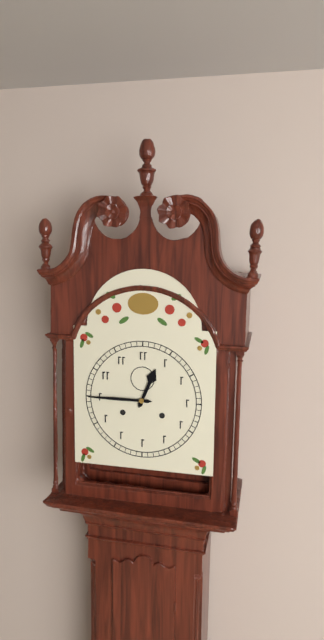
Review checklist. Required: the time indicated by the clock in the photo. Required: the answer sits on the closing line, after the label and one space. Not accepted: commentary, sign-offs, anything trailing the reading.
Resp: 12:45
